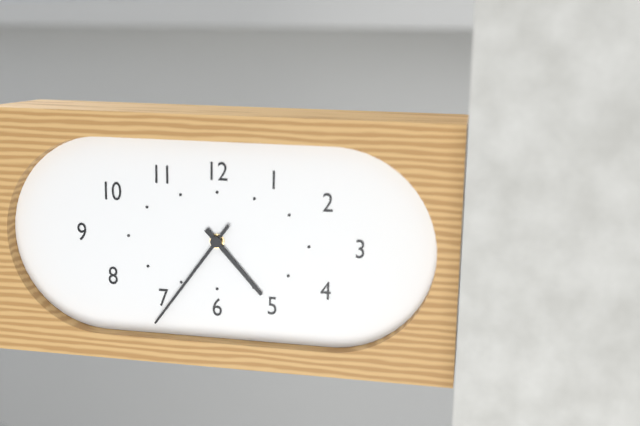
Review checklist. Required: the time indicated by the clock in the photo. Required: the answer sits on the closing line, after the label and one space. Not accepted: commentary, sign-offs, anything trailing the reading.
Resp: 4:36
